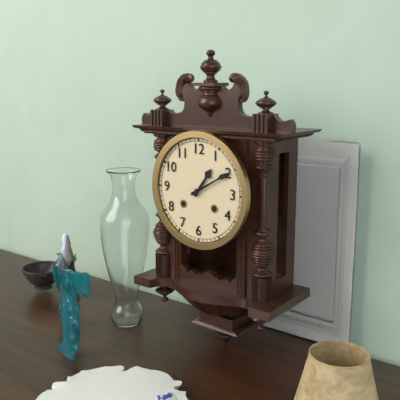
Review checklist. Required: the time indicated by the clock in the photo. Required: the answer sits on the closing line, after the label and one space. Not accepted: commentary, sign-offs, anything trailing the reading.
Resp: 1:10
